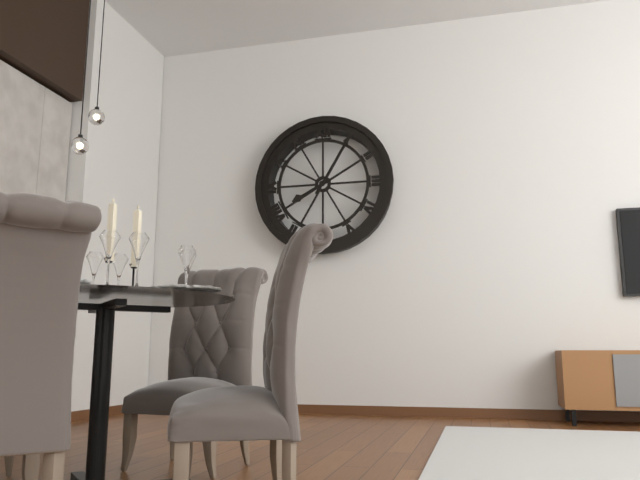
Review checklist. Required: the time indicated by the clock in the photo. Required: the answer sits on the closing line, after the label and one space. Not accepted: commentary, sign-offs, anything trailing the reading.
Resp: 8:05
